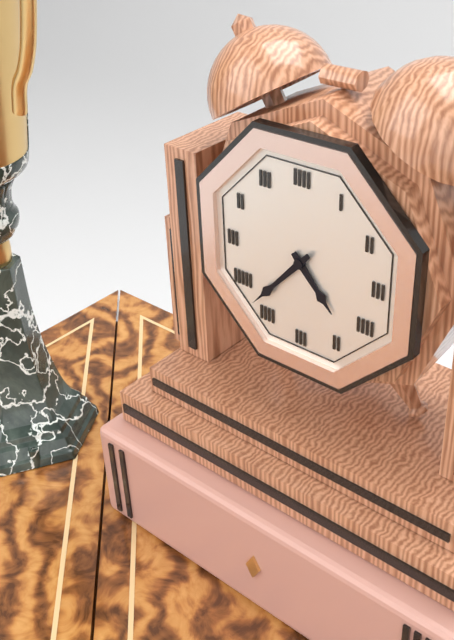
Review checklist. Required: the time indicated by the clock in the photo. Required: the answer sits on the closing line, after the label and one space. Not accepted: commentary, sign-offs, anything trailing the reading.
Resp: 4:37
